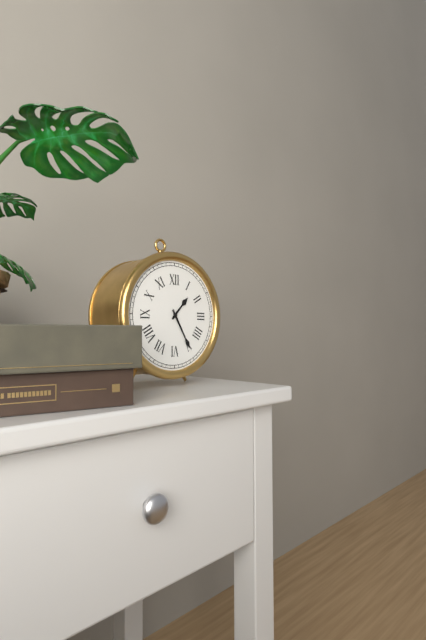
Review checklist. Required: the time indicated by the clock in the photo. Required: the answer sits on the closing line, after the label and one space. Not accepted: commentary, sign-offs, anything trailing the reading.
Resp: 1:25
